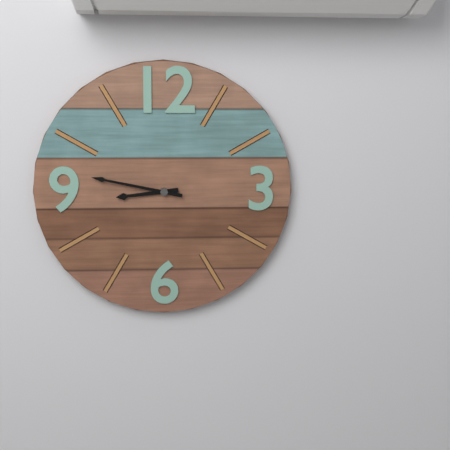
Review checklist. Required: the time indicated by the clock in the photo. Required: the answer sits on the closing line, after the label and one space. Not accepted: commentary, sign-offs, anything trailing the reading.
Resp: 8:47
